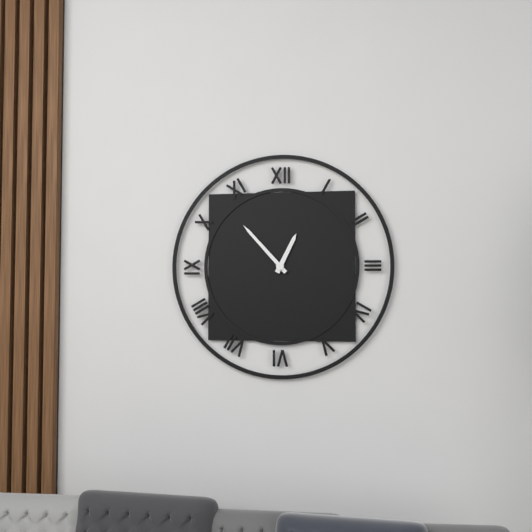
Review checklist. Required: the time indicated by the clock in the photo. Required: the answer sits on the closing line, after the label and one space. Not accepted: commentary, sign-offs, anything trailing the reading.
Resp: 12:53
